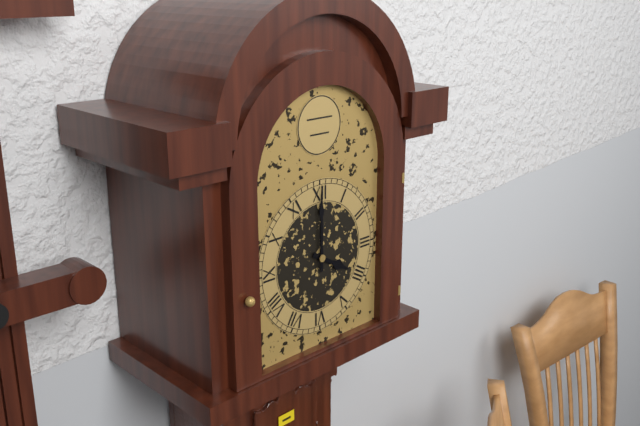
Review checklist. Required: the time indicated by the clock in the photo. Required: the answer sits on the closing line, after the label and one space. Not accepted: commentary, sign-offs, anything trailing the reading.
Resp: 4:00
